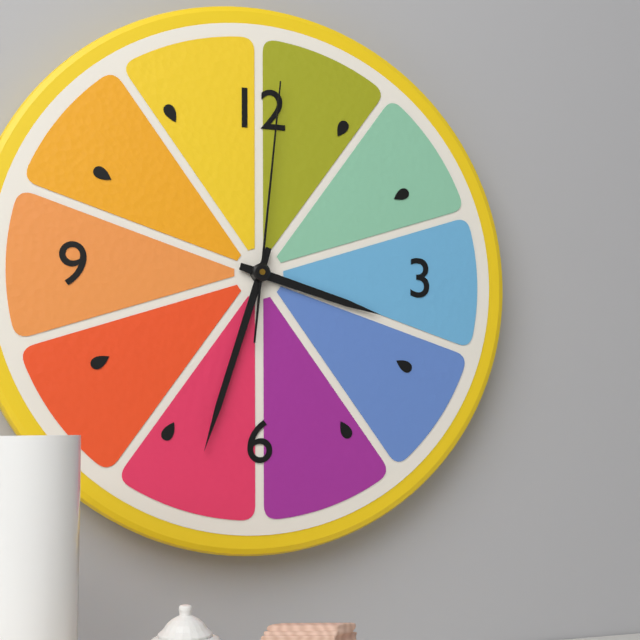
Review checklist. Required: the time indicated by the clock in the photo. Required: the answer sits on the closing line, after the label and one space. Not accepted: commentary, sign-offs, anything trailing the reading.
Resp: 3:33:01
